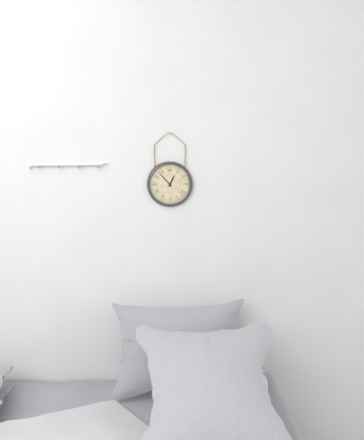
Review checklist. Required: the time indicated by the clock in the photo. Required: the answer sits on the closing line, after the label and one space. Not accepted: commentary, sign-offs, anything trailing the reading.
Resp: 12:53
